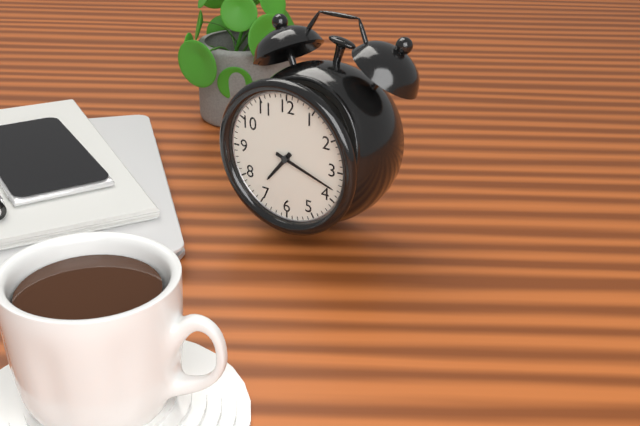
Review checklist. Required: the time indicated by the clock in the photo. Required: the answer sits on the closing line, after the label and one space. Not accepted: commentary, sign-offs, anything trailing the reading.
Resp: 7:18
